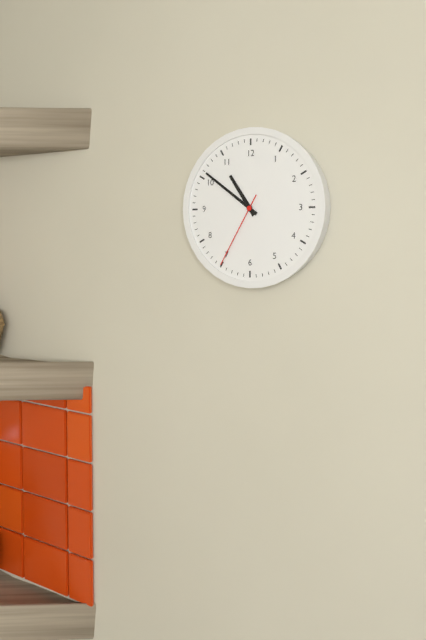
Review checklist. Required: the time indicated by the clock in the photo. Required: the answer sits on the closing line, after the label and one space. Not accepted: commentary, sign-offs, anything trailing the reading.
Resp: 10:51:35
